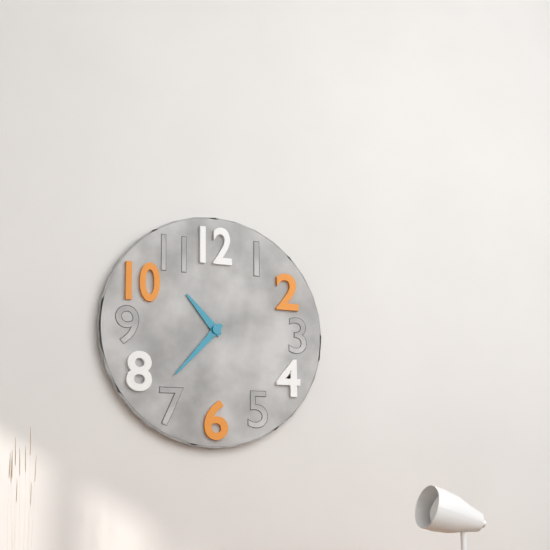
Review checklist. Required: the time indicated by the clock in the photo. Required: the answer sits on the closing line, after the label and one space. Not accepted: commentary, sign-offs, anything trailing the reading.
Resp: 10:37
